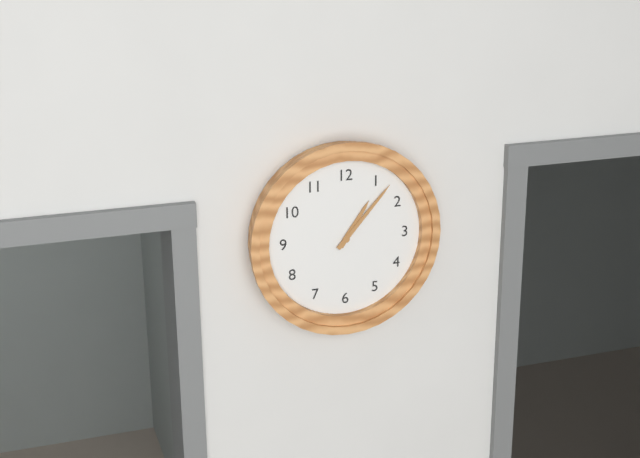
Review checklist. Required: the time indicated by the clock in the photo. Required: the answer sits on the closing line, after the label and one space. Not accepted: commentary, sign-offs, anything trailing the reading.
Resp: 1:07
